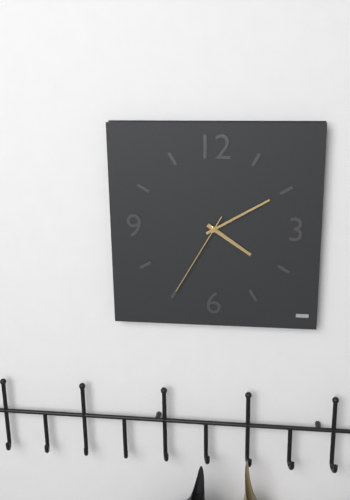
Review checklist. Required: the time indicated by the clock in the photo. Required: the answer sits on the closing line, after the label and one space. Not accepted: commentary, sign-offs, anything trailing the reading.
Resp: 4:10:35
